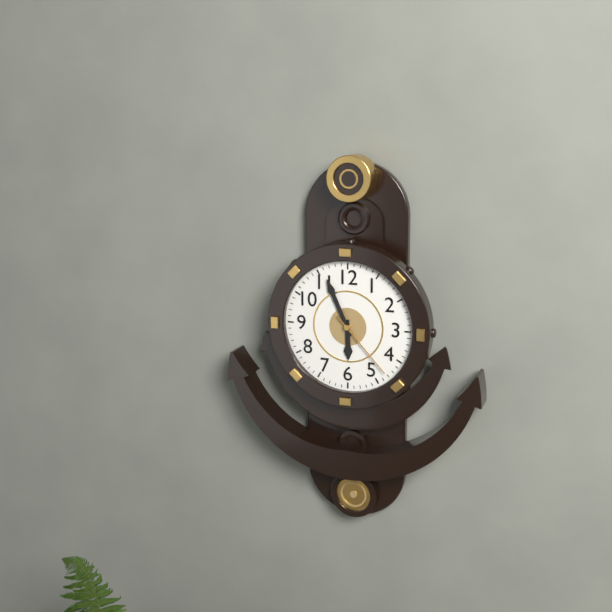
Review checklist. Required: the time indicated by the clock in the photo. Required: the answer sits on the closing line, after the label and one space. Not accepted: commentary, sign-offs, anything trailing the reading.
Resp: 5:56:23
